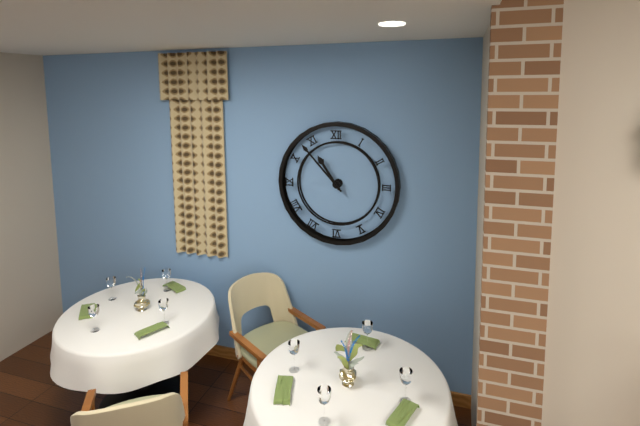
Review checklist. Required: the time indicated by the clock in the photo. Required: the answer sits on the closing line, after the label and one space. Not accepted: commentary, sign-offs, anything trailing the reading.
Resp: 10:53
